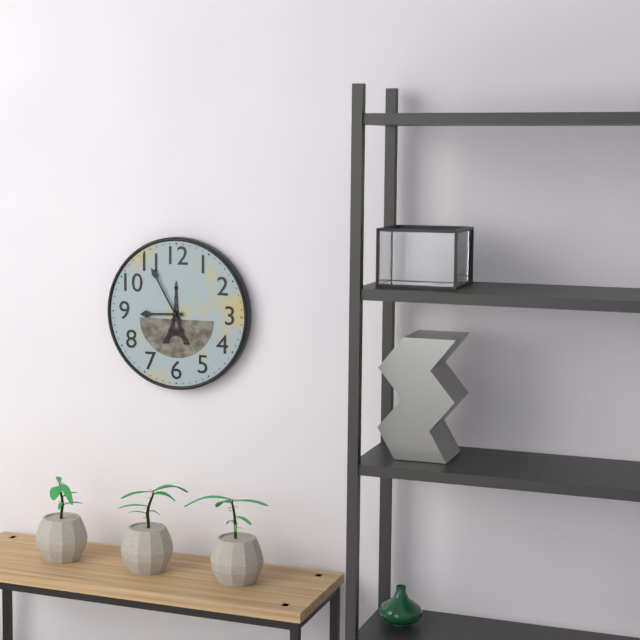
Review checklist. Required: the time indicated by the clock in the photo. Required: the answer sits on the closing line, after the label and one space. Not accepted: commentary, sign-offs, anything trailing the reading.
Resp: 8:55
